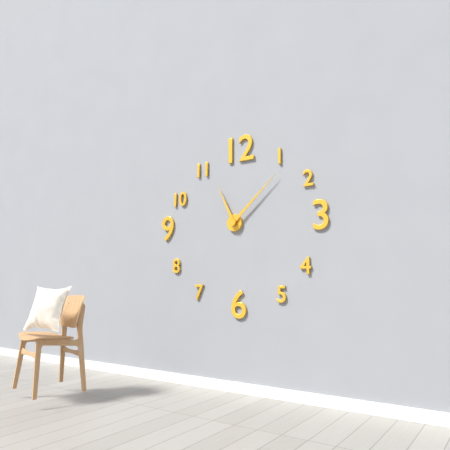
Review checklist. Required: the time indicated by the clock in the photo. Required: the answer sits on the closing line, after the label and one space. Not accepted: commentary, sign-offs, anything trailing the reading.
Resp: 11:08
